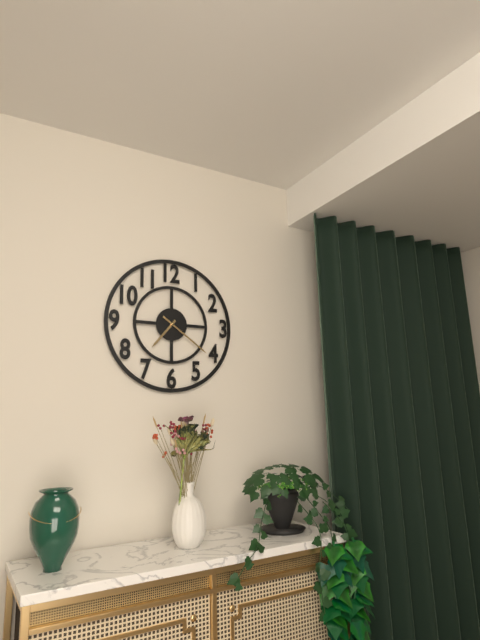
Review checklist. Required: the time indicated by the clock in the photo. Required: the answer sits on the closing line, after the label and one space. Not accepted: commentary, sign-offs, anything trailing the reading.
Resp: 7:21
